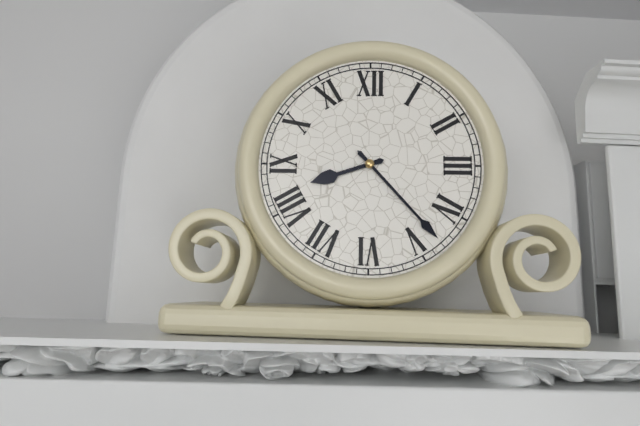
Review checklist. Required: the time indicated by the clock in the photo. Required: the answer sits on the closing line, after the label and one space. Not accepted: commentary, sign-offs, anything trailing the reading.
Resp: 8:23
